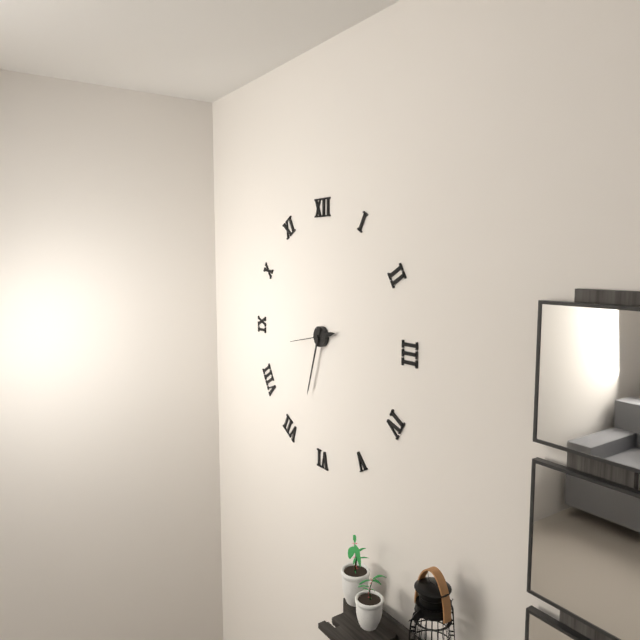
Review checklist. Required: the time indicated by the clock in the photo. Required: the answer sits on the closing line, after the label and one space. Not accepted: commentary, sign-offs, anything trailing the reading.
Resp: 2:33
